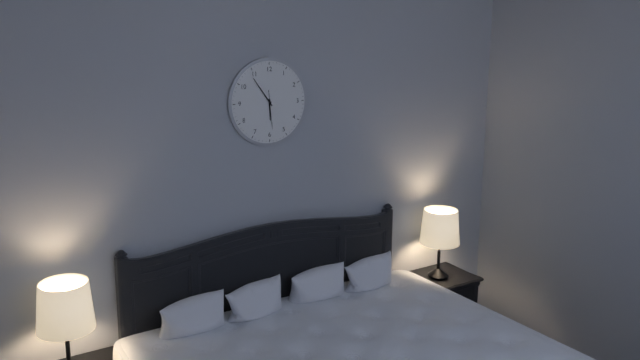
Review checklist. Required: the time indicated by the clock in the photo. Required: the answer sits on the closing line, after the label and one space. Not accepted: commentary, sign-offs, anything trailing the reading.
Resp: 5:54
